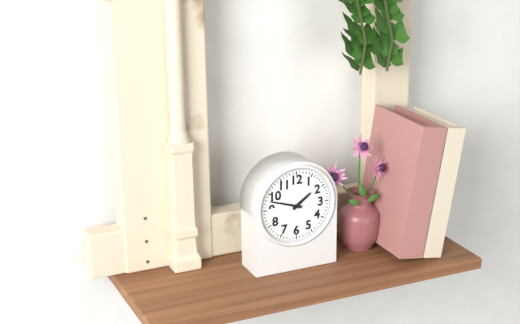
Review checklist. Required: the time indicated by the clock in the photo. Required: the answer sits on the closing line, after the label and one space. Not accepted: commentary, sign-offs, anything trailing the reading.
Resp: 1:48
